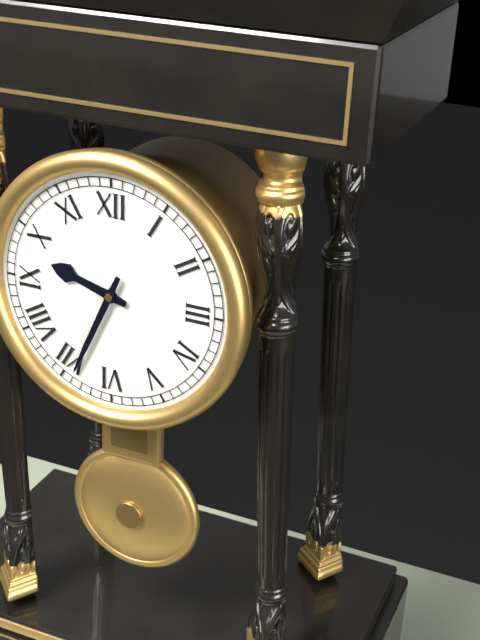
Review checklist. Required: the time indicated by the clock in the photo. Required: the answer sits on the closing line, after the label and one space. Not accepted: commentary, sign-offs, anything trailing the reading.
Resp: 9:34
